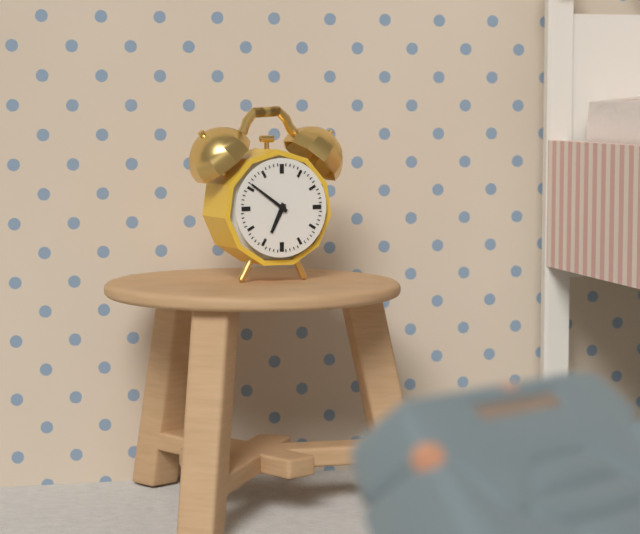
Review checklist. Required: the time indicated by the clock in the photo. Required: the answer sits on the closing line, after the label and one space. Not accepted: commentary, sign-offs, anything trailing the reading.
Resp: 6:51
